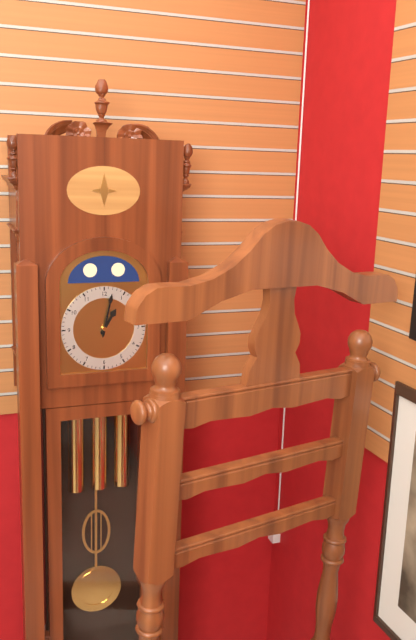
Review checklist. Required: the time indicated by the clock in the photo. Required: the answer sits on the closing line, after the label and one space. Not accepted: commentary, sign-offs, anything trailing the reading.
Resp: 1:02
